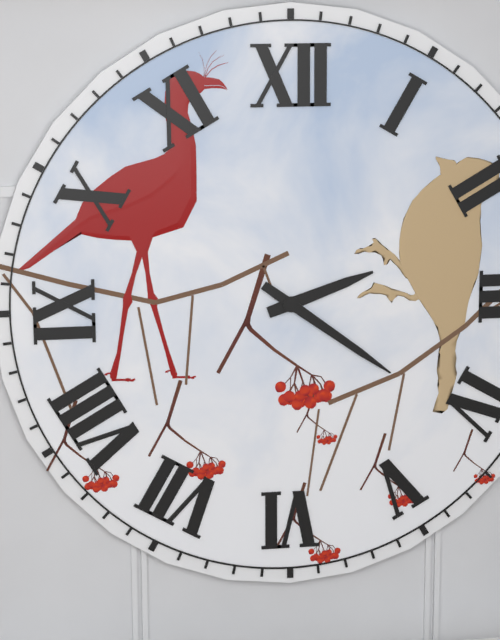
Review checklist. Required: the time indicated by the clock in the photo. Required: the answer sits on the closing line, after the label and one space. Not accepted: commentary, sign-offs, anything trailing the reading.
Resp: 2:21
